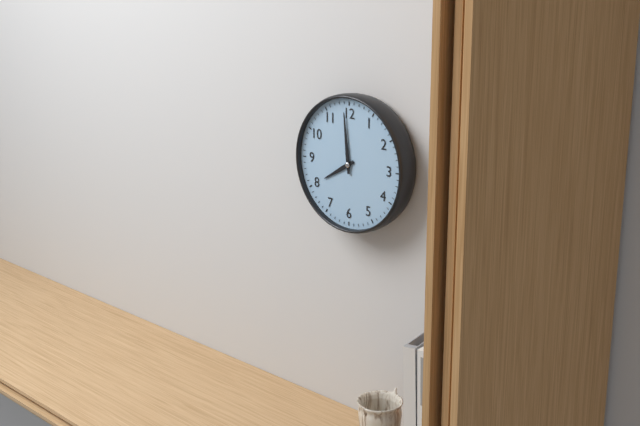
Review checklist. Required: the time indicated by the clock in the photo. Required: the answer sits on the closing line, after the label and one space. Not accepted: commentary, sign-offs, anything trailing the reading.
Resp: 7:59
